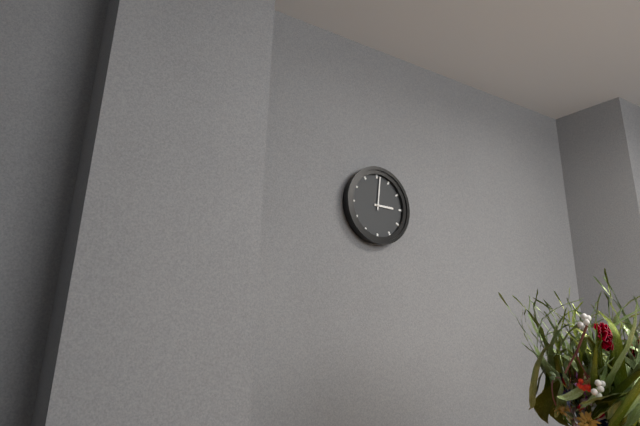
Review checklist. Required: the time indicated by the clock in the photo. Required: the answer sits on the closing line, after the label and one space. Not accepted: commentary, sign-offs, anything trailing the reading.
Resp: 3:01
